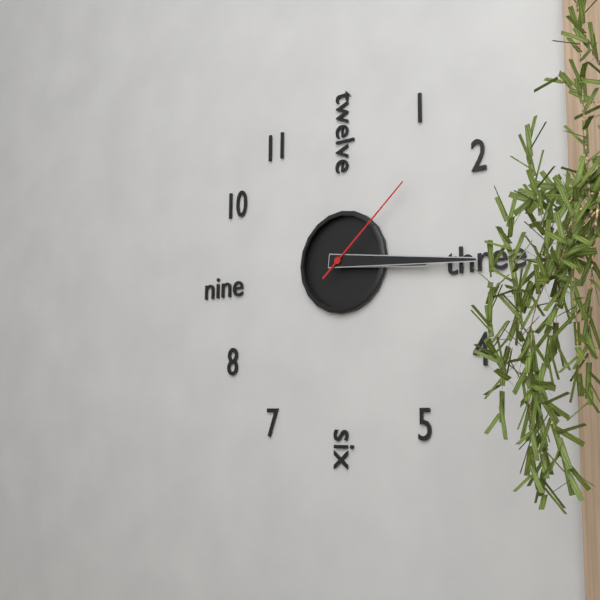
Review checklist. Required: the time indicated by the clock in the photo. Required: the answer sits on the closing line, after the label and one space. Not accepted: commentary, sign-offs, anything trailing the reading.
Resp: 3:16:08
